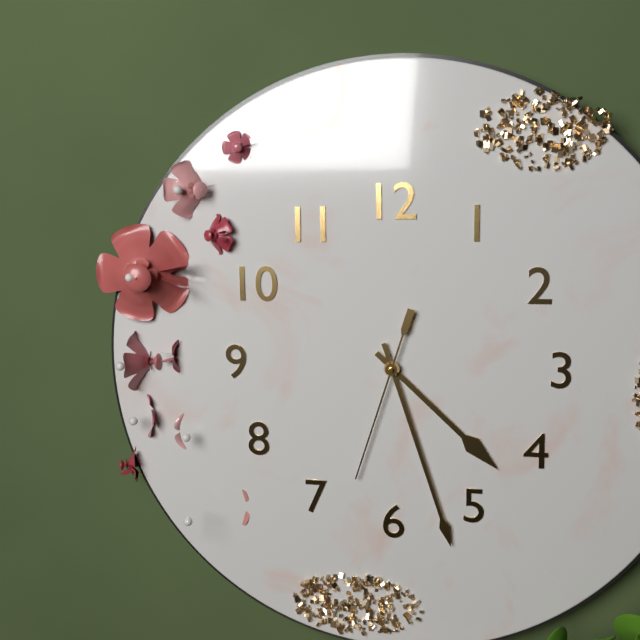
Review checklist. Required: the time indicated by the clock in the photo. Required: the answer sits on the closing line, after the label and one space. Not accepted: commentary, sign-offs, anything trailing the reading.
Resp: 4:27:33
